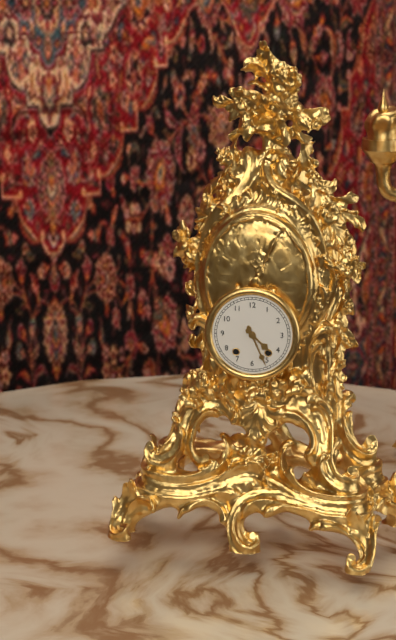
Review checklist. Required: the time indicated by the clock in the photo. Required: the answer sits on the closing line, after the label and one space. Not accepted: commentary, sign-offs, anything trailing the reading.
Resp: 4:26
